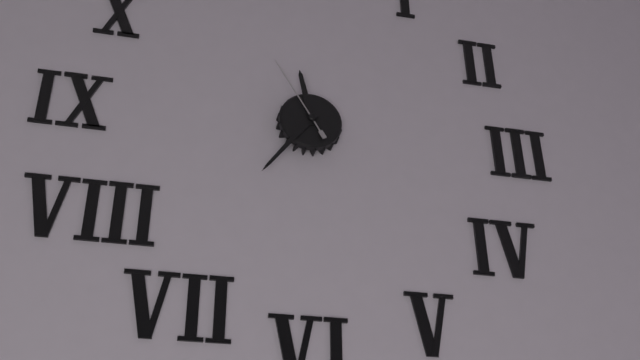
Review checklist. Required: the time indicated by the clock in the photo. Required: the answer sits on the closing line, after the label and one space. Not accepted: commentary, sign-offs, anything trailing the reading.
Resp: 11:36:55
